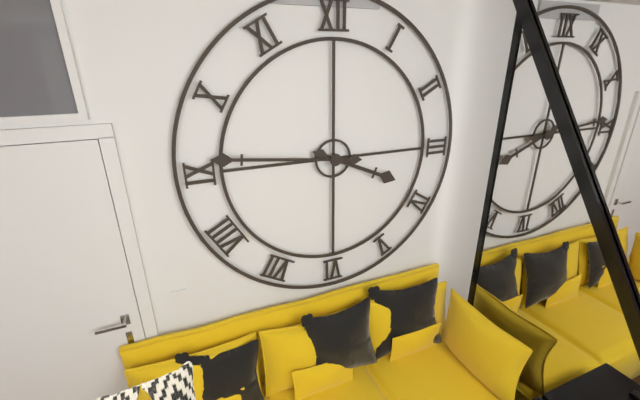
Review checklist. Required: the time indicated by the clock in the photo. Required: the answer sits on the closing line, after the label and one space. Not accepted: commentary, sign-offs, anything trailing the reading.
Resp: 3:46
